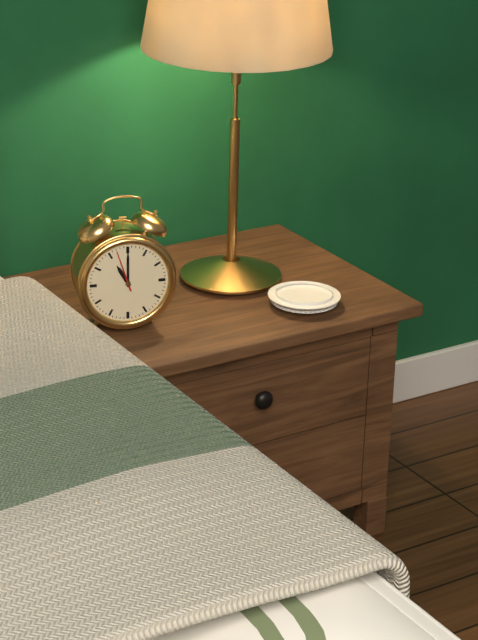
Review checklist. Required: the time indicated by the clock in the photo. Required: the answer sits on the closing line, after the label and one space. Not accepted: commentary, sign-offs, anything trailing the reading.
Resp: 11:00
